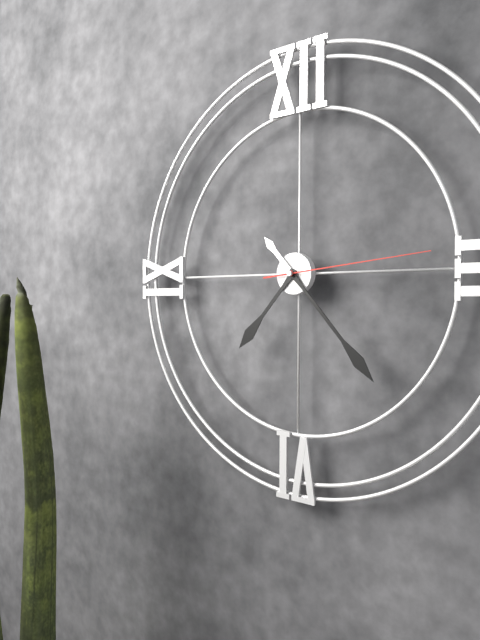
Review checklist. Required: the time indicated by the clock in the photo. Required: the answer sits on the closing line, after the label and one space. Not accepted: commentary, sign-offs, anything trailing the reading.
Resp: 7:23:14
